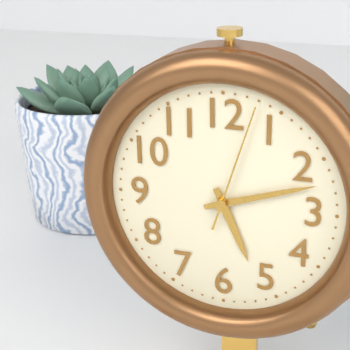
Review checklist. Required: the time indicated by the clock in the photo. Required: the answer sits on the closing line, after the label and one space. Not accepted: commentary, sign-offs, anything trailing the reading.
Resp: 5:12:03
